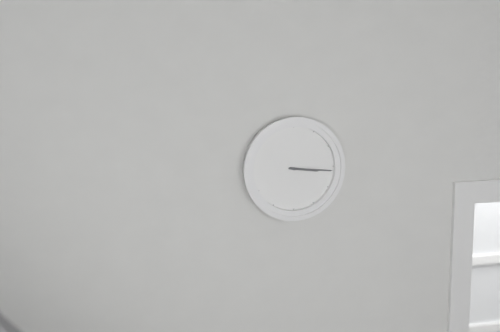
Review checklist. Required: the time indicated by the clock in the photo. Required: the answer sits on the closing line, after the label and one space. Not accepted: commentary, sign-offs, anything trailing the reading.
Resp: 3:16
